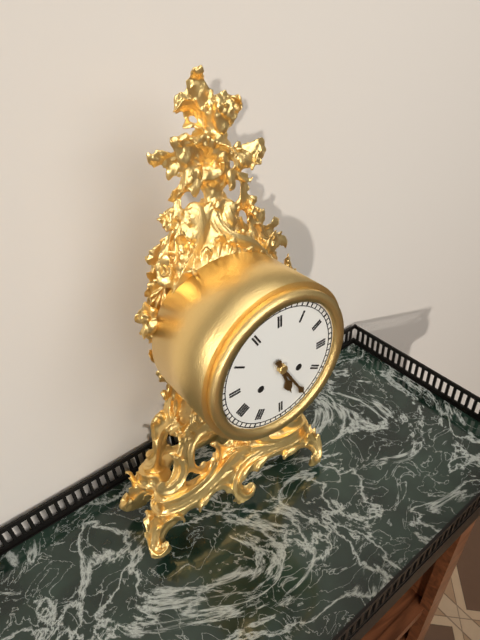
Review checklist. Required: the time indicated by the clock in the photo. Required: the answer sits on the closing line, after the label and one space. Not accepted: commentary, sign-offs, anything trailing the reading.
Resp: 5:25
